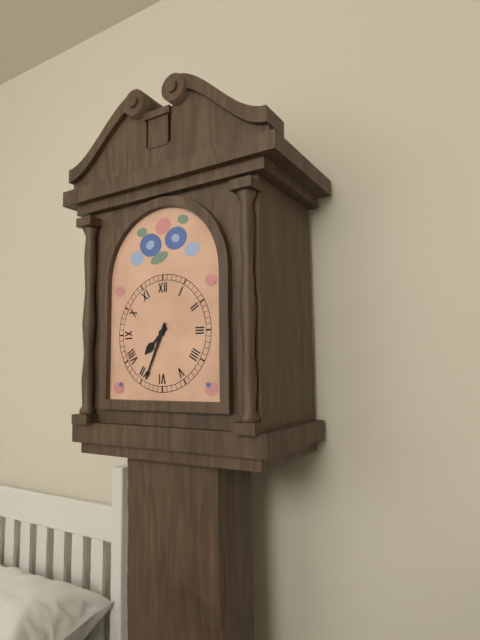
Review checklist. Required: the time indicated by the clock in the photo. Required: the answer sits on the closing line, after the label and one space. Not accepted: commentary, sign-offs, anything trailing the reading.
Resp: 7:34
